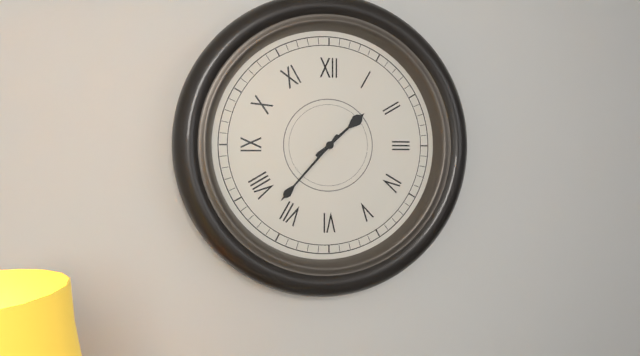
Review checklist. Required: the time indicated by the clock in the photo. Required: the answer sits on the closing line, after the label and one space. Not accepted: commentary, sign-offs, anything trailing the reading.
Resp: 1:37
